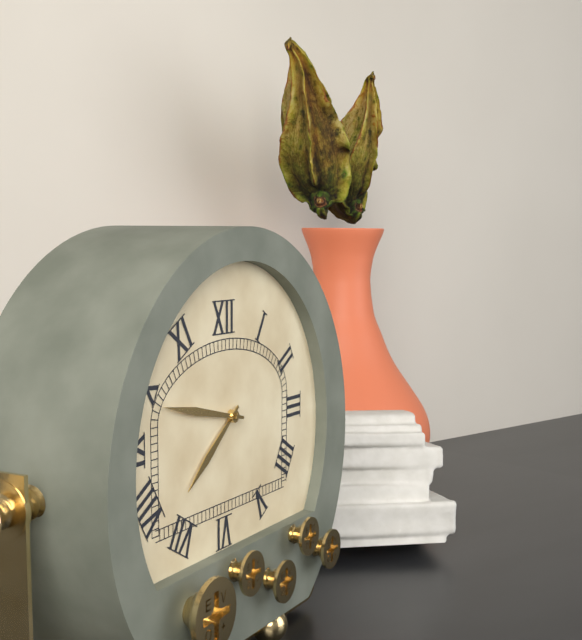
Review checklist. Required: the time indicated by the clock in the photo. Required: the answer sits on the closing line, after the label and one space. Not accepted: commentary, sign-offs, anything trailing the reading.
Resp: 7:47
